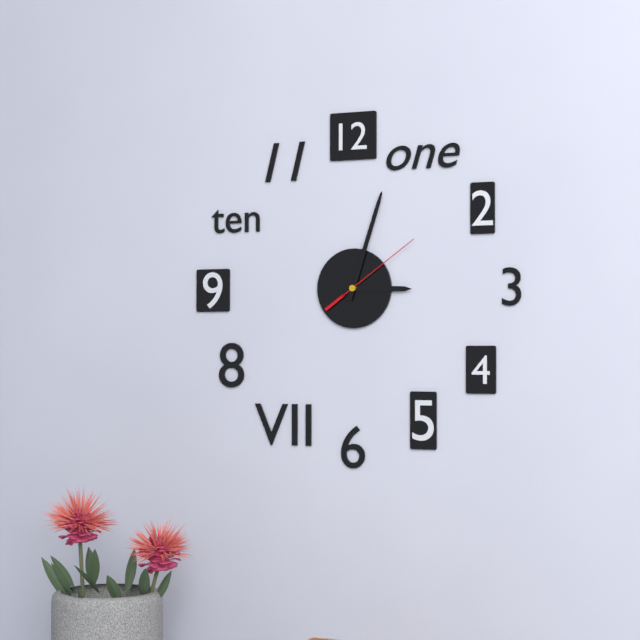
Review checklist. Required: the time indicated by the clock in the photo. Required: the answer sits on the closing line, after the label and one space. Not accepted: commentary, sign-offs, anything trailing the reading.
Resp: 3:03:09
